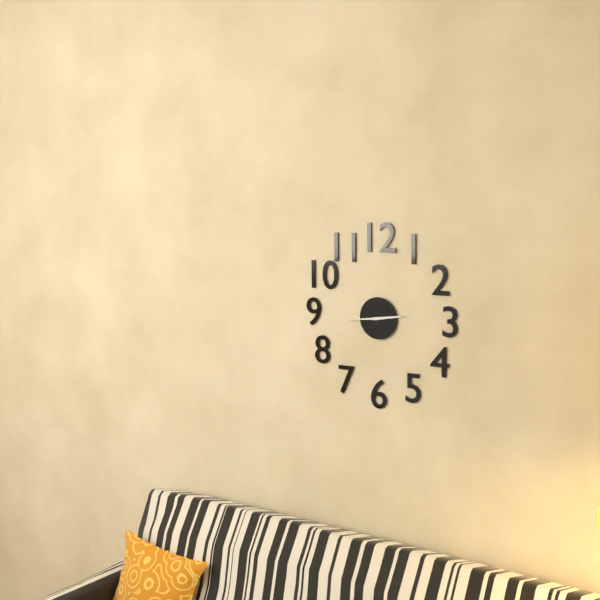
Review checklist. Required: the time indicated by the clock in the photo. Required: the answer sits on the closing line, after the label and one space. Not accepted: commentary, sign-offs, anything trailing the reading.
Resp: 2:44
